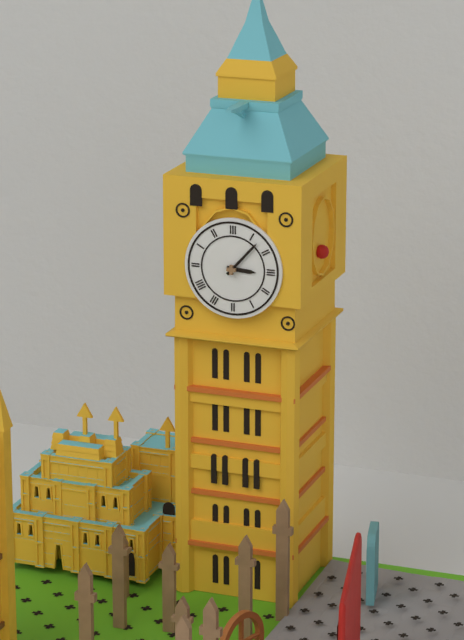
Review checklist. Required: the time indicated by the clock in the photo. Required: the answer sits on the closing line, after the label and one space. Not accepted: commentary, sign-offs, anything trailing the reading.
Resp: 3:07
